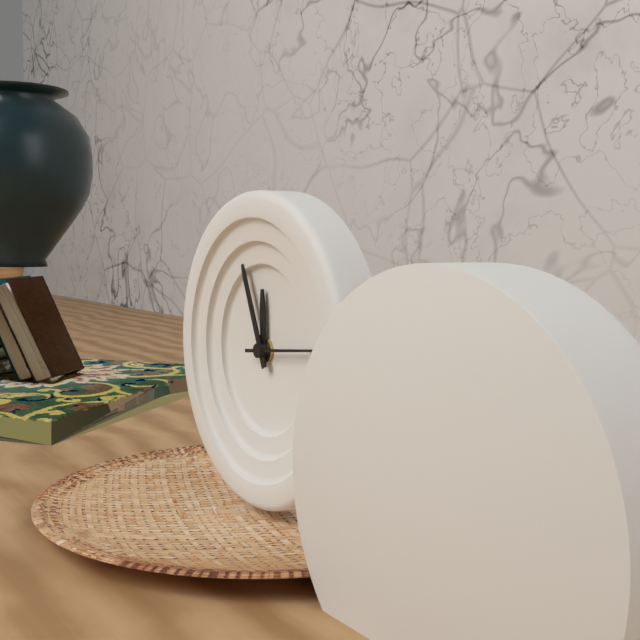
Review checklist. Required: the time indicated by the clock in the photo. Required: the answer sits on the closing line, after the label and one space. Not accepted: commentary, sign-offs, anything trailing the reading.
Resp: 11:56:14
